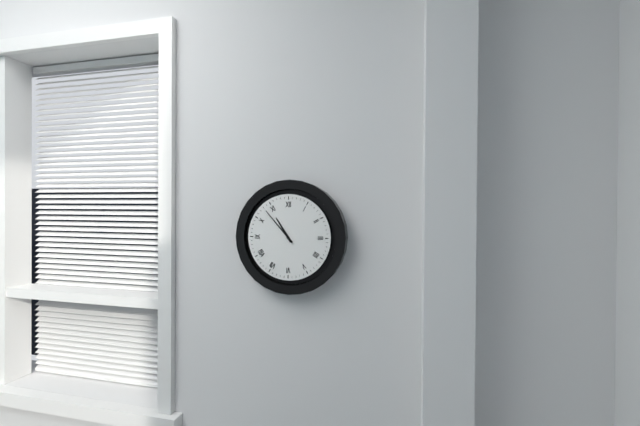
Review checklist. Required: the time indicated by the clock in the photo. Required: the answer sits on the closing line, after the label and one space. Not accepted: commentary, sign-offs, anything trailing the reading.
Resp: 10:53
